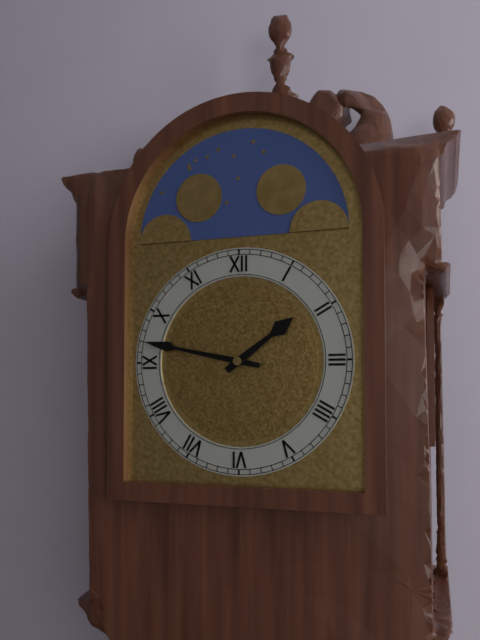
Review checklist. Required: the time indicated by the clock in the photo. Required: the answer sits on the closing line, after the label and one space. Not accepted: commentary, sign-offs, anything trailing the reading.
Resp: 1:47
